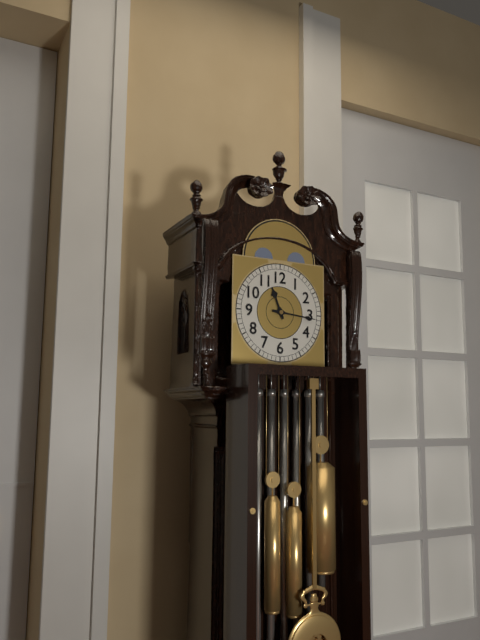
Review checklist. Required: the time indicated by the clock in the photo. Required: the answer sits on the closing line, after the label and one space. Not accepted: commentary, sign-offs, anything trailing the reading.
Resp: 11:16
